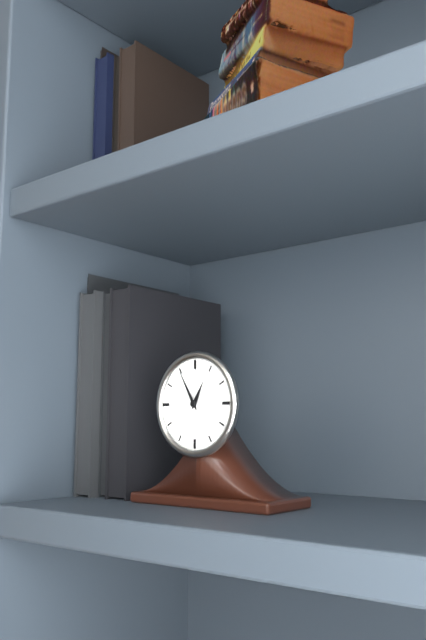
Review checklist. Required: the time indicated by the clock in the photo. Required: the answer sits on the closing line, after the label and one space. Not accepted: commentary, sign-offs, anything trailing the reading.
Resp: 12:55
